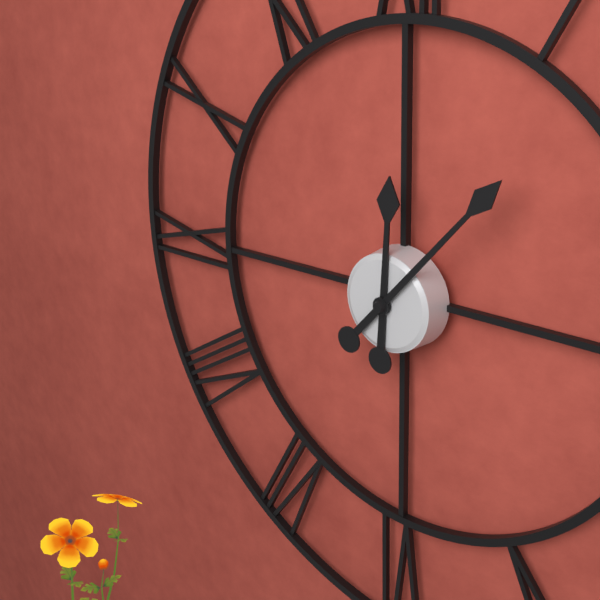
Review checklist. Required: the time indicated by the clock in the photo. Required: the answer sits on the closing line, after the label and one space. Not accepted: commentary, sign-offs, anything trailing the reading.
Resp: 12:07
